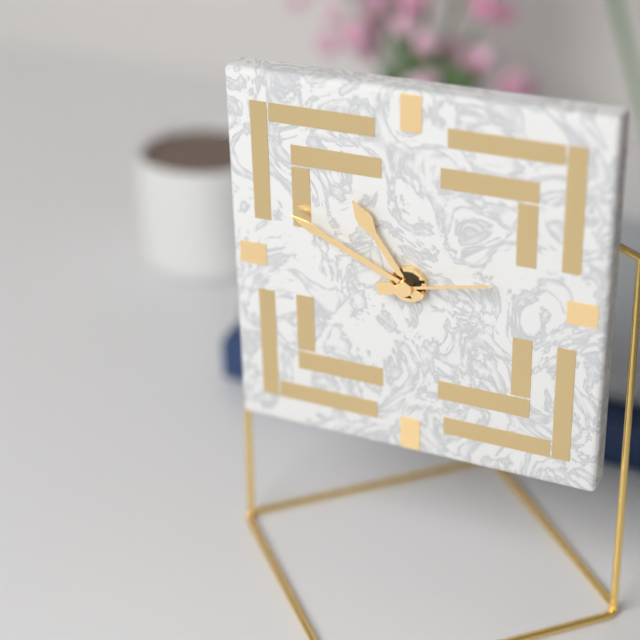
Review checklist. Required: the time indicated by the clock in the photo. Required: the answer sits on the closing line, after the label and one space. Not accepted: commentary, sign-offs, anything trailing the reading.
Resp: 10:49:13
